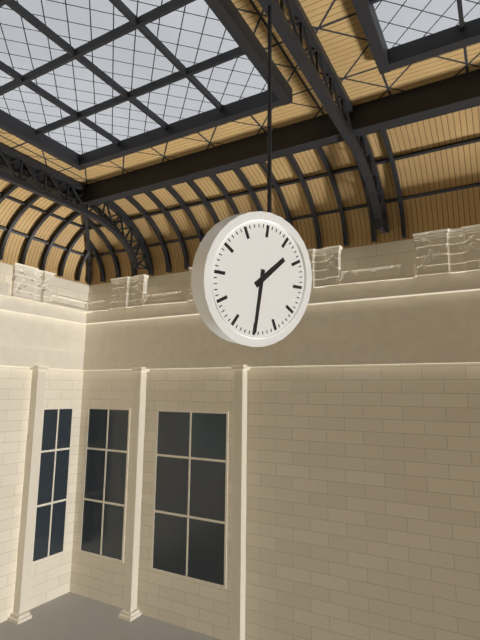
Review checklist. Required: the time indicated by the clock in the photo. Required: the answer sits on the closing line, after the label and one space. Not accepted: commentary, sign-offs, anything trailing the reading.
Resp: 1:30
